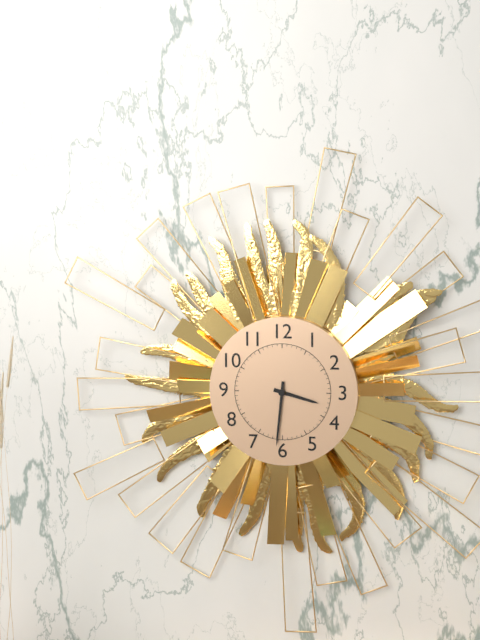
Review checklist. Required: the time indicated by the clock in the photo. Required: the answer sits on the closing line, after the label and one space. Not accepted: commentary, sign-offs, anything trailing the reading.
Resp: 3:31
